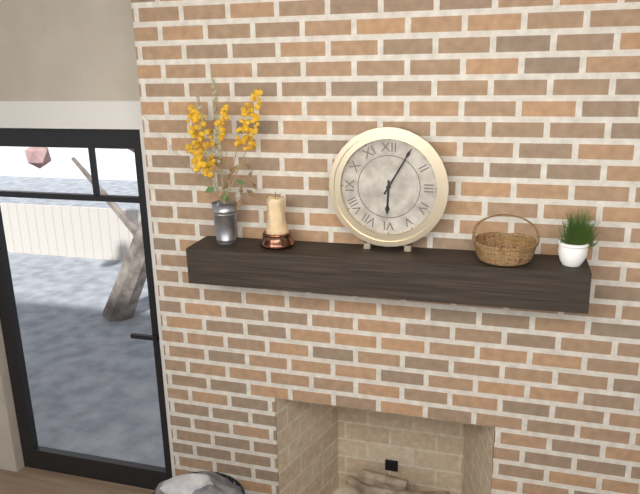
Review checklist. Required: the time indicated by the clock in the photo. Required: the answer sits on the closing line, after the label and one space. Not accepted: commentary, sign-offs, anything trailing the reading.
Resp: 6:05
